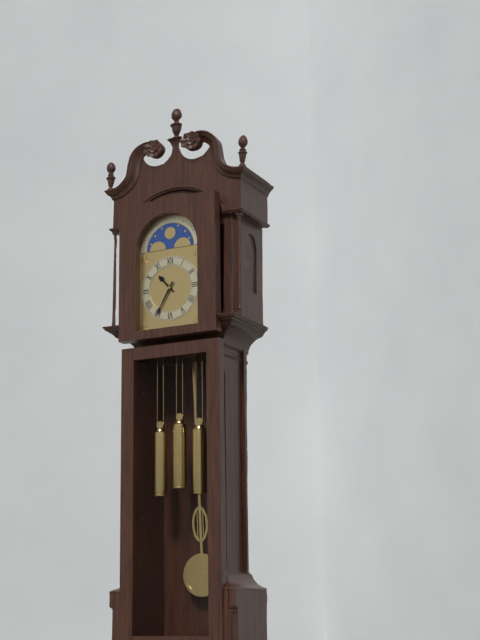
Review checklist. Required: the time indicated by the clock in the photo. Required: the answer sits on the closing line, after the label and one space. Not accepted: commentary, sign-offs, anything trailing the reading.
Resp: 10:35
